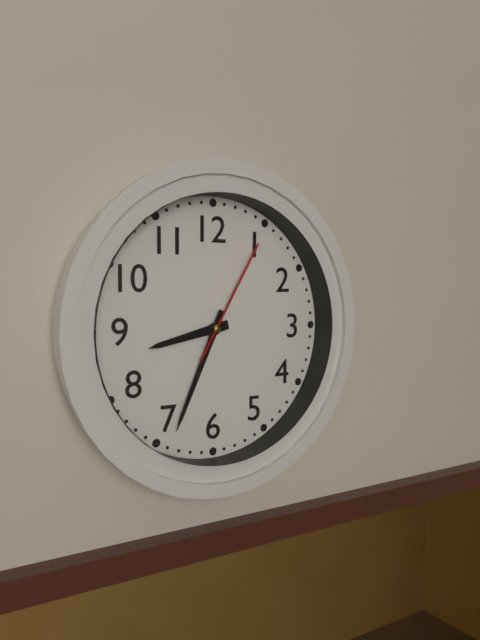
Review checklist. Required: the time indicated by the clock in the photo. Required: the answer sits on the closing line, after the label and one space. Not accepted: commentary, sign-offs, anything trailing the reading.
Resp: 8:34:05
